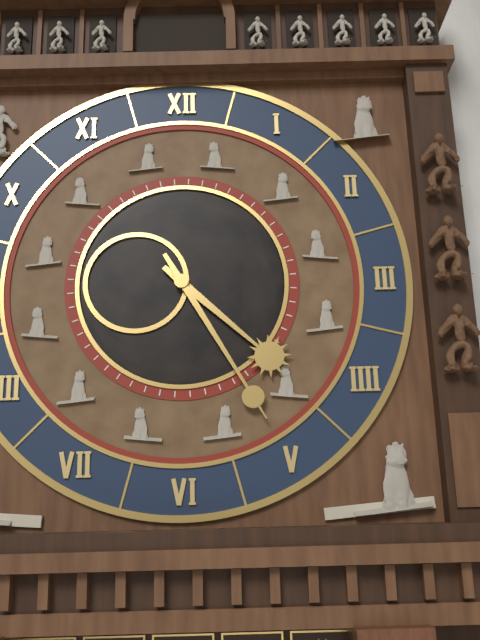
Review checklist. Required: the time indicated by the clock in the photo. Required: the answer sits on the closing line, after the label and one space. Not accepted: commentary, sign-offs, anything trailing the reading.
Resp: 4:25
